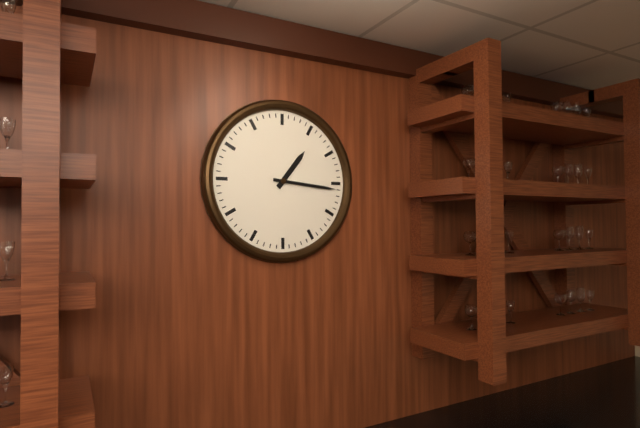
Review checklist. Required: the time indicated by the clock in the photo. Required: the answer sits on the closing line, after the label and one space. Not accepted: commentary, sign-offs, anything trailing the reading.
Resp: 1:16
